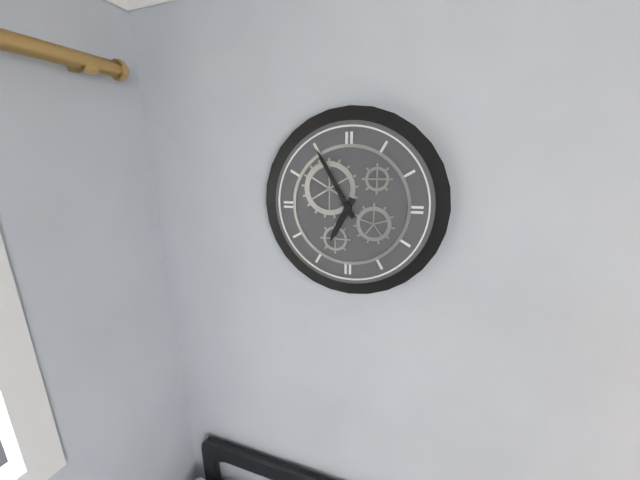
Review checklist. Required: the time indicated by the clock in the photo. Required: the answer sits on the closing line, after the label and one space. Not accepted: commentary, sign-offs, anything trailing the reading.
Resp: 6:55
